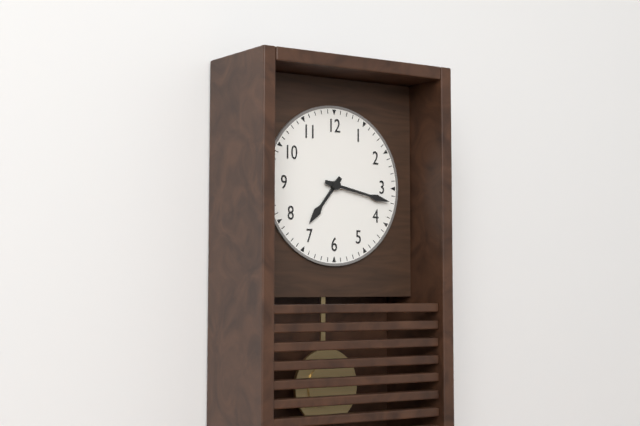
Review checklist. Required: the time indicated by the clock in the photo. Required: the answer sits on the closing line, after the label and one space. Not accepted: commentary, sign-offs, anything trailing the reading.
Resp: 7:17
